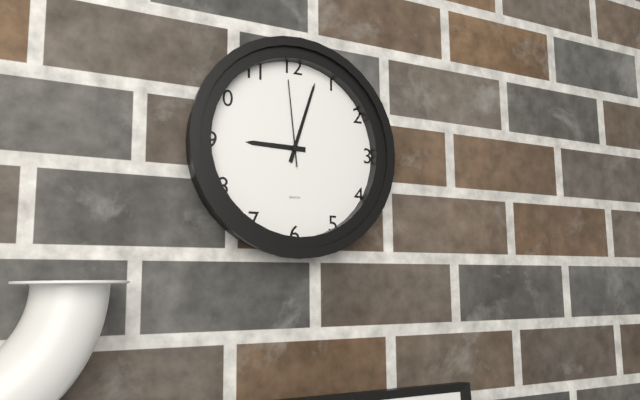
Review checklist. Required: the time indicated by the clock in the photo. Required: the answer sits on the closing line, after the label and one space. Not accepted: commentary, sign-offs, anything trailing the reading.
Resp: 9:03:59
